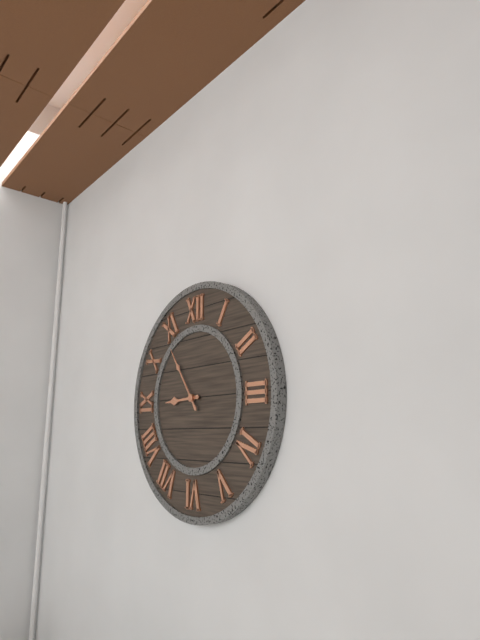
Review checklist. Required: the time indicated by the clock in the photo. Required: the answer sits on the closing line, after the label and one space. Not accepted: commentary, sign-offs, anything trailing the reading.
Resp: 8:54
